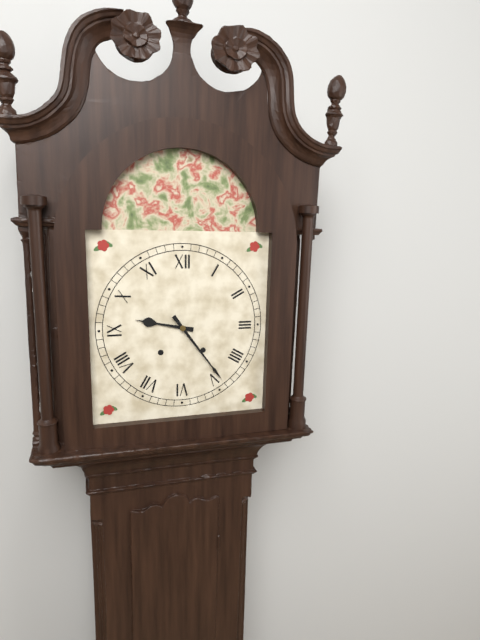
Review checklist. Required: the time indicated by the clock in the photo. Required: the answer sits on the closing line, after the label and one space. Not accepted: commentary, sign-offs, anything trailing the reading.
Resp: 9:24
